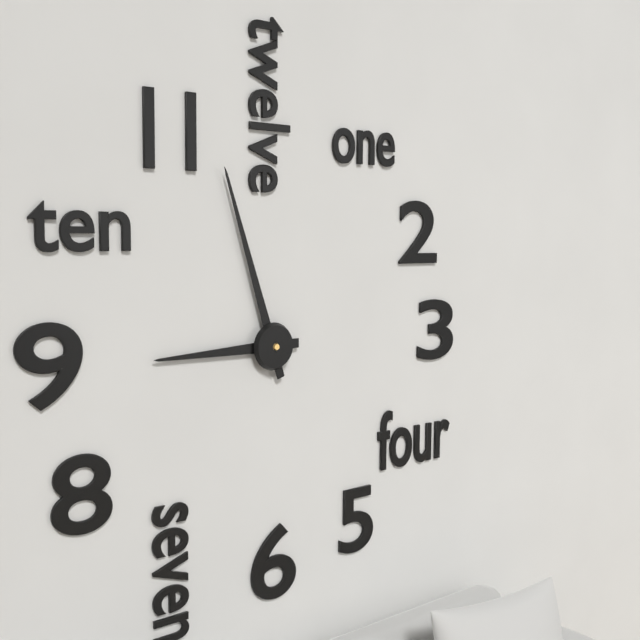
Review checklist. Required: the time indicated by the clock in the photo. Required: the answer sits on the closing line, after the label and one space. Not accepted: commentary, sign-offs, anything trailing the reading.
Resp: 8:57
